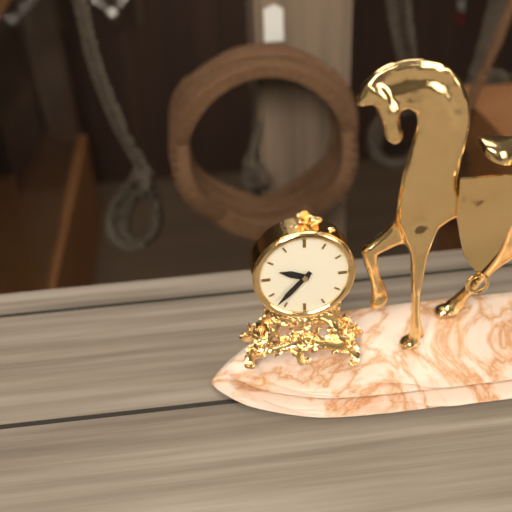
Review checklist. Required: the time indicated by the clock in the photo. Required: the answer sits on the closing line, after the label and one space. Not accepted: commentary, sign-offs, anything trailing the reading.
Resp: 9:37
